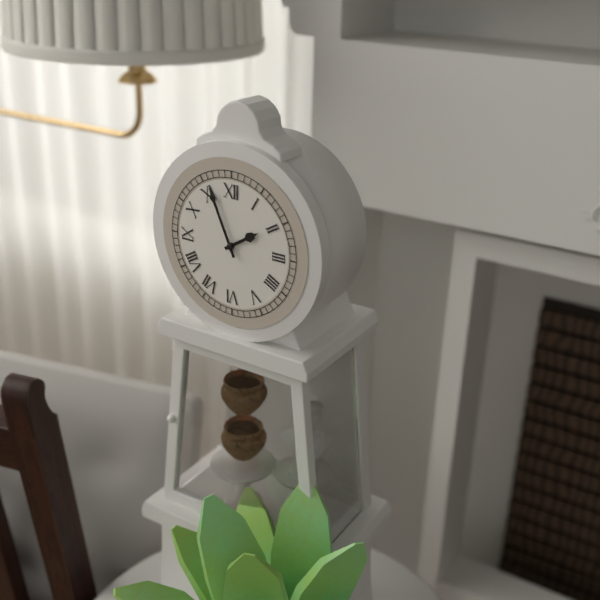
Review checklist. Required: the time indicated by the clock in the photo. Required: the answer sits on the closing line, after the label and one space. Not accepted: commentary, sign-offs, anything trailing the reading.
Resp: 1:56
